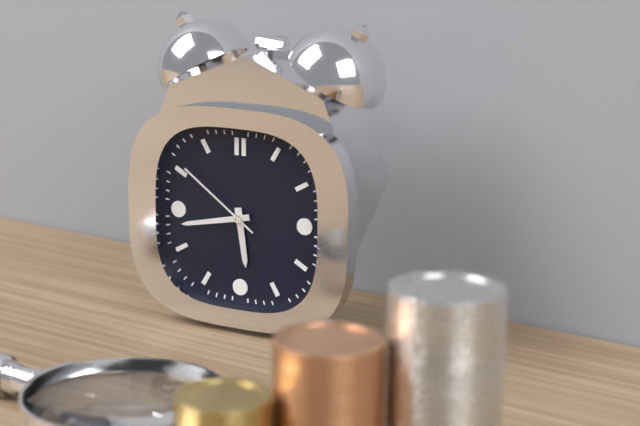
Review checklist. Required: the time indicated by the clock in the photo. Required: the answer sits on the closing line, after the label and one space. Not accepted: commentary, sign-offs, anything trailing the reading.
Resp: 5:43:51
